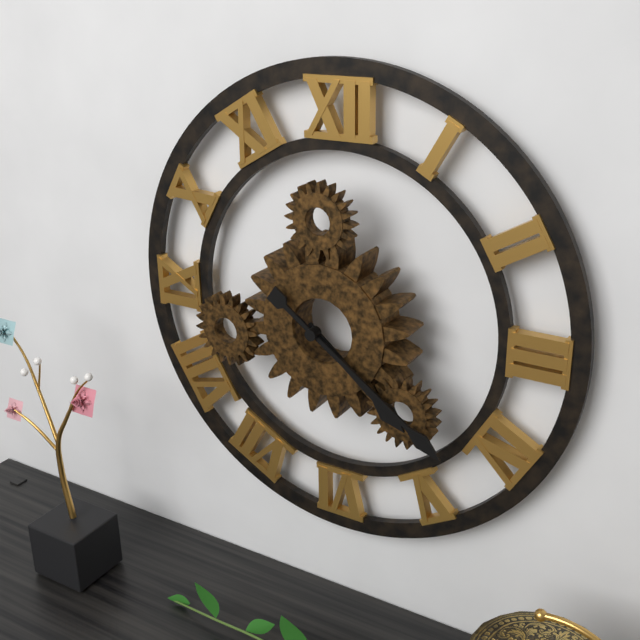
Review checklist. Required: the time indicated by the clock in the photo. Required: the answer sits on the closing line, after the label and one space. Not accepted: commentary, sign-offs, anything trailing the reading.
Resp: 4:21
